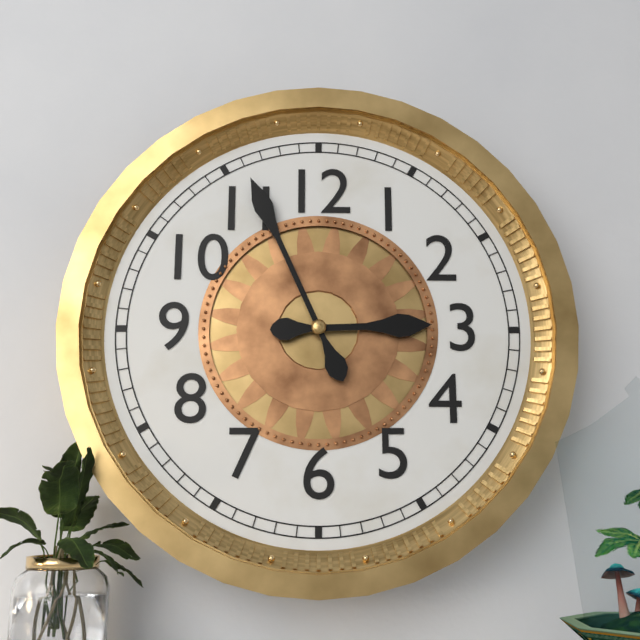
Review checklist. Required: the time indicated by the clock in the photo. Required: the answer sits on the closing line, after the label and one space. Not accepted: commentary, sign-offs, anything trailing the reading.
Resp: 2:56
